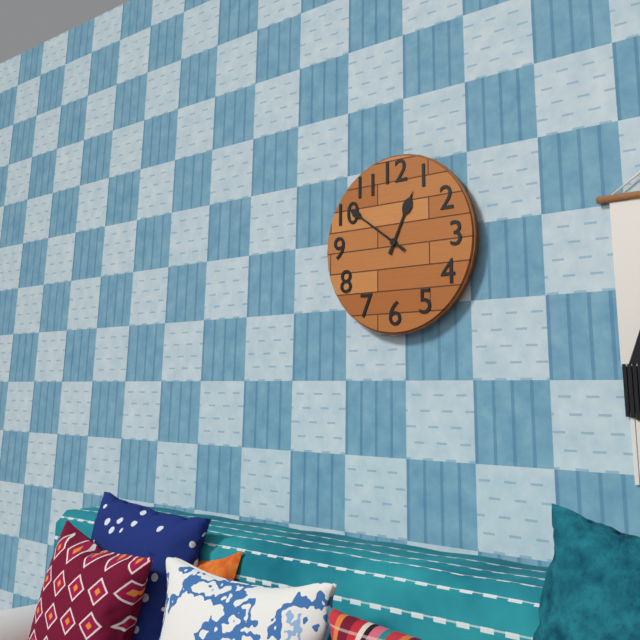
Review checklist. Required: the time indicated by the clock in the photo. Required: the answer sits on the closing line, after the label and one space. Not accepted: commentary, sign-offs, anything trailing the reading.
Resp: 12:51
